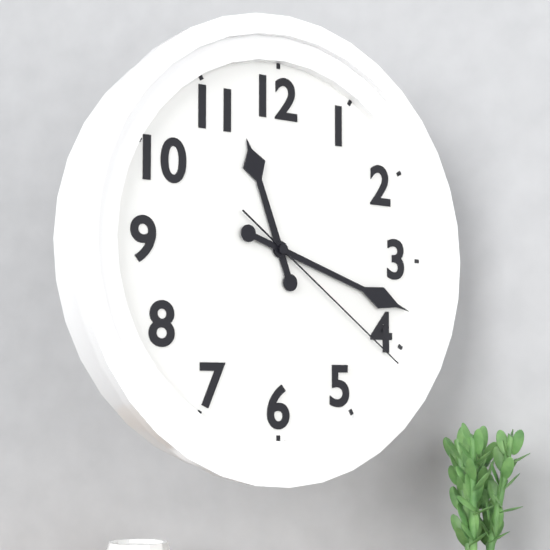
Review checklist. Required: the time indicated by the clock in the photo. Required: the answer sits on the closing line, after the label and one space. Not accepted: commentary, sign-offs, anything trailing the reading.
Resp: 11:18:21
